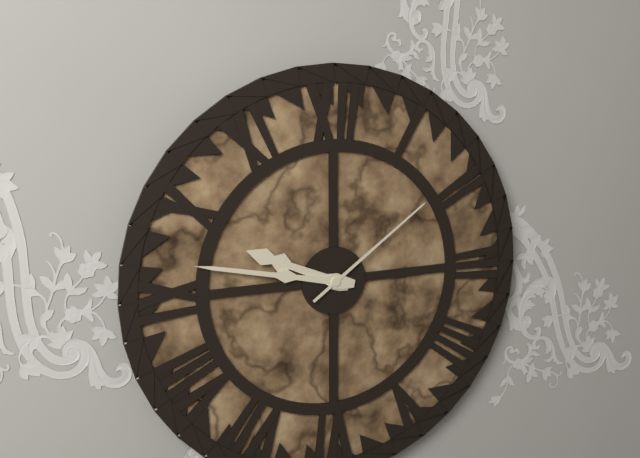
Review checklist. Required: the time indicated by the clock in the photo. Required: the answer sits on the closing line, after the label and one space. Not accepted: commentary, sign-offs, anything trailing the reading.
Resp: 9:47:09
